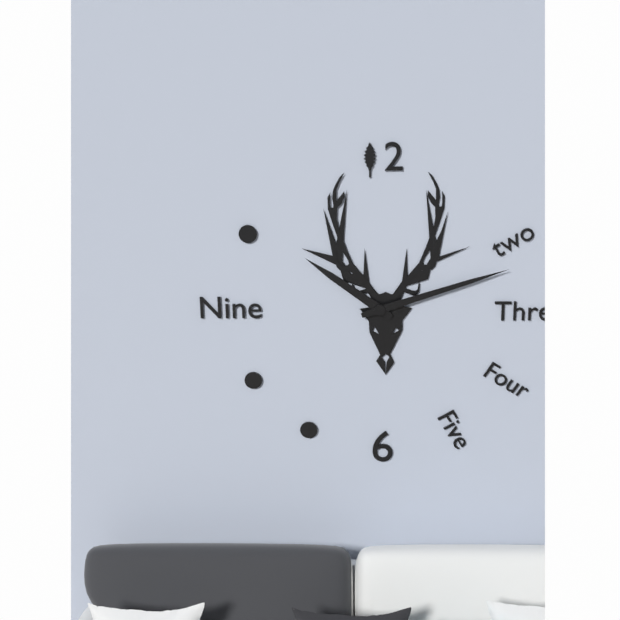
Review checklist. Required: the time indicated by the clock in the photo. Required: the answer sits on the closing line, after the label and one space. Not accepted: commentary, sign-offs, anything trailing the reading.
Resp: 10:12
